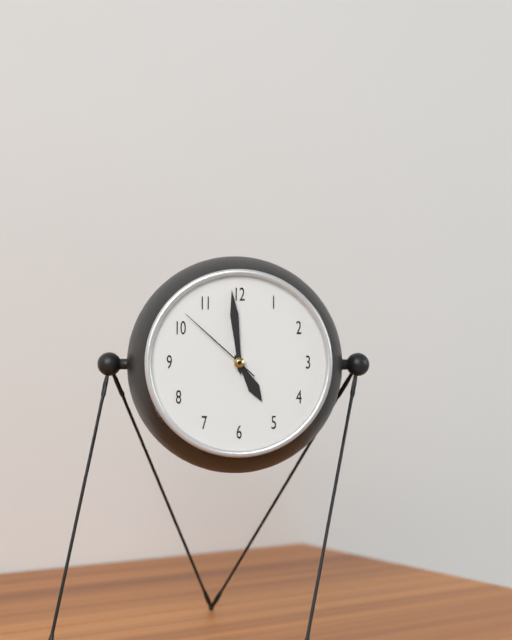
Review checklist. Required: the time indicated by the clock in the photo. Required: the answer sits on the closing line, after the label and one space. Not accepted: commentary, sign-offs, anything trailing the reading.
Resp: 4:59:52
